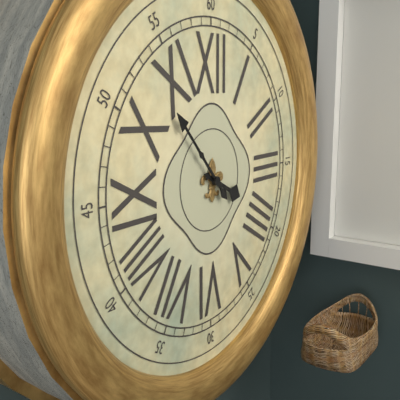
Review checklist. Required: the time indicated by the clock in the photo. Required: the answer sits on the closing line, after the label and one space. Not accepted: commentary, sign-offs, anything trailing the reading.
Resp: 3:53
